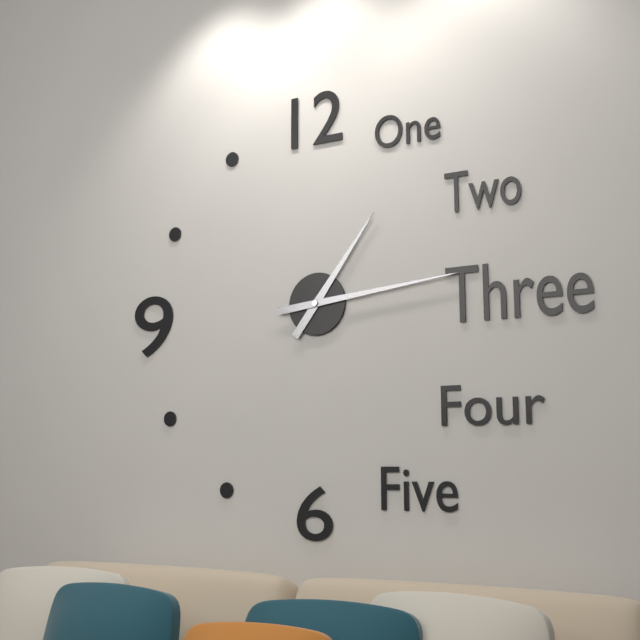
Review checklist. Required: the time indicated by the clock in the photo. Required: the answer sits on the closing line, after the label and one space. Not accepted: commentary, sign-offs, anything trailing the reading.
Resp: 1:14
